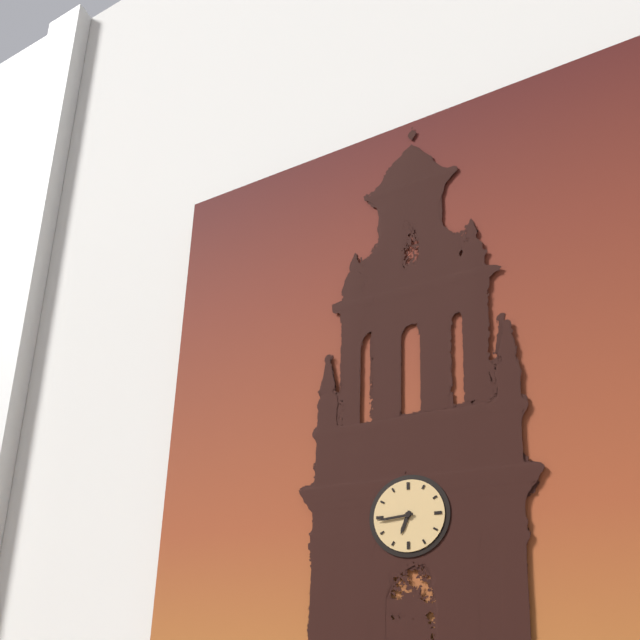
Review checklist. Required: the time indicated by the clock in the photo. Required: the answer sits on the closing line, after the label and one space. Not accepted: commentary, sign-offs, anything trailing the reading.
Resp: 6:44
